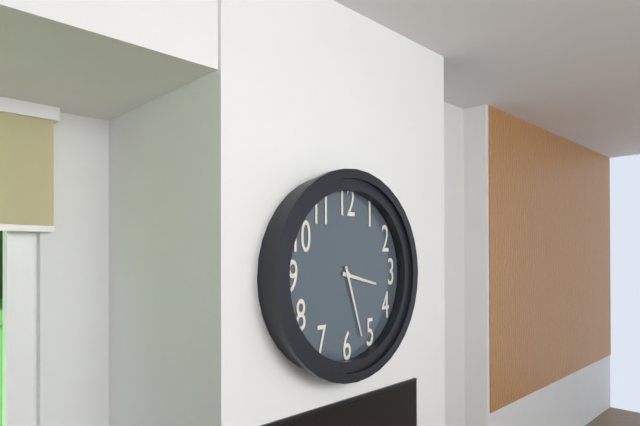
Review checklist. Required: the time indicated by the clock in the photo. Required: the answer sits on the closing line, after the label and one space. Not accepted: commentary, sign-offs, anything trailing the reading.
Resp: 3:27
